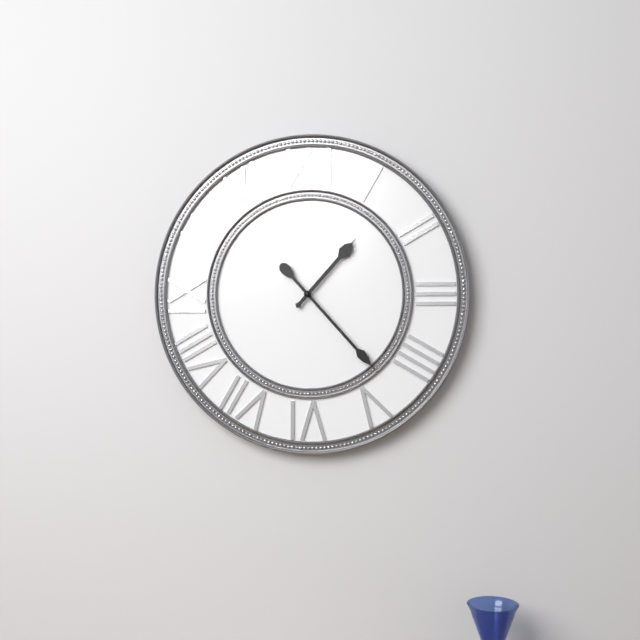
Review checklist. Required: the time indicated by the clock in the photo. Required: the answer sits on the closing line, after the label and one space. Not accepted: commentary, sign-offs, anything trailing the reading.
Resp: 1:23
